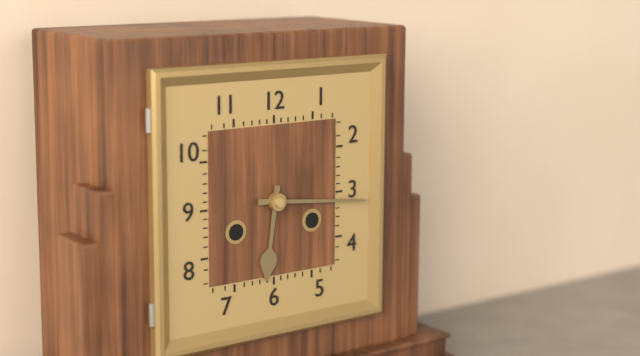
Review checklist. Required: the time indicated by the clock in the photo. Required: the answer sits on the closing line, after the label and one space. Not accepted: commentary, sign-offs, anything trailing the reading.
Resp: 6:16
